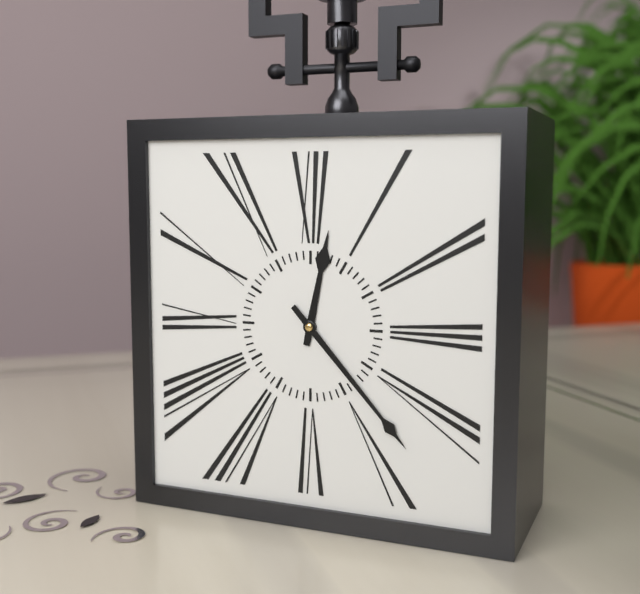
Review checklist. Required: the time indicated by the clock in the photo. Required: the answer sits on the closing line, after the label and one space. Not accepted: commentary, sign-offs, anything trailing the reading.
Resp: 12:23
